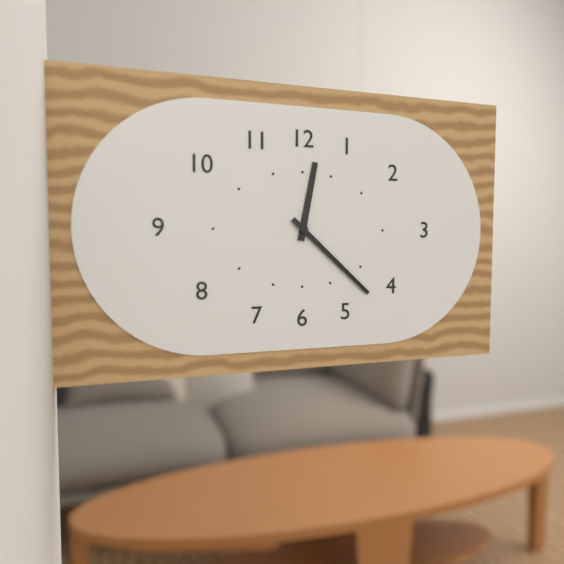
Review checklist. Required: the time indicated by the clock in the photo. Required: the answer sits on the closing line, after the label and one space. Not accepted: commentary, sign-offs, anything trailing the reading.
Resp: 12:22
